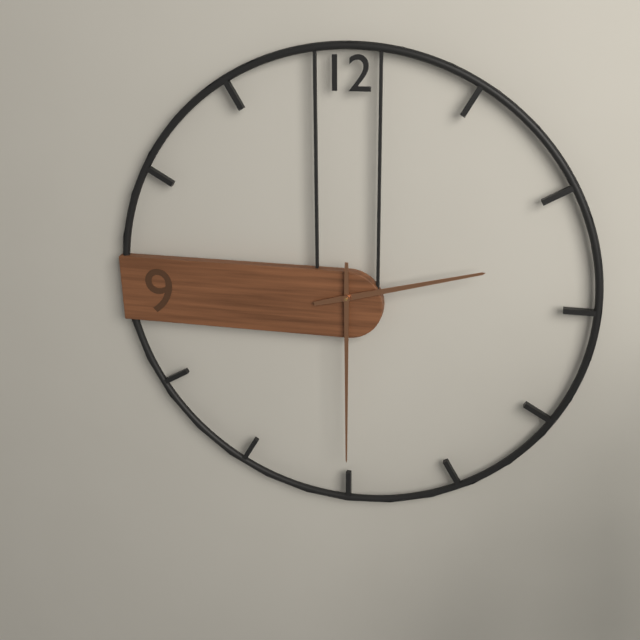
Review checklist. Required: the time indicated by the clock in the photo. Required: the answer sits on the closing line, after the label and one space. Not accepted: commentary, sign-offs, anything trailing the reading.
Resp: 2:30
